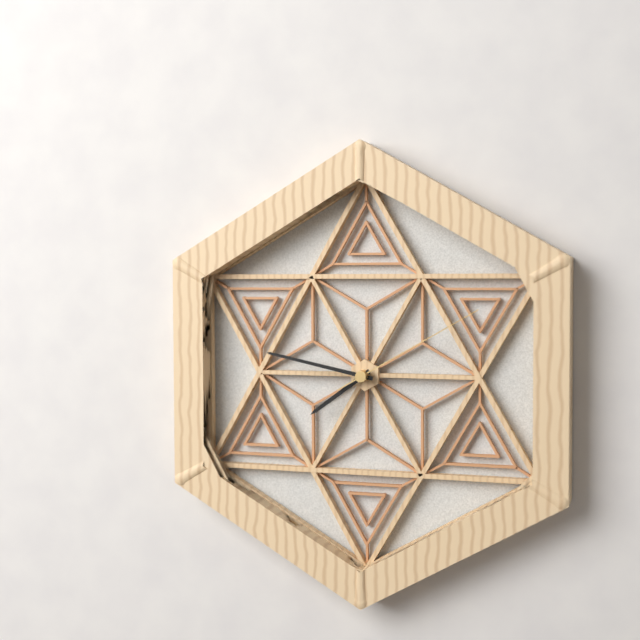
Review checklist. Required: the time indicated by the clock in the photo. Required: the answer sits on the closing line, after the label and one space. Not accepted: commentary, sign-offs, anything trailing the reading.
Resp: 7:47:10
